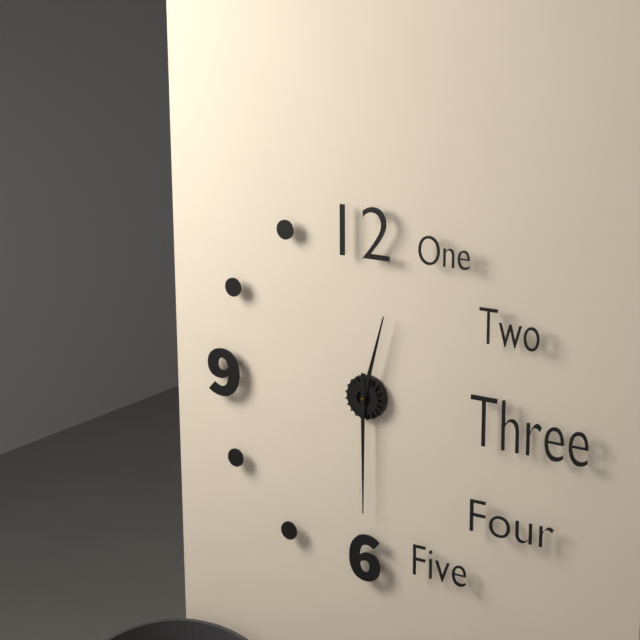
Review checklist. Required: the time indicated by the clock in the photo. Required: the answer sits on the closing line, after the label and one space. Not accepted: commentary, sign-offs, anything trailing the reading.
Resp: 12:30
